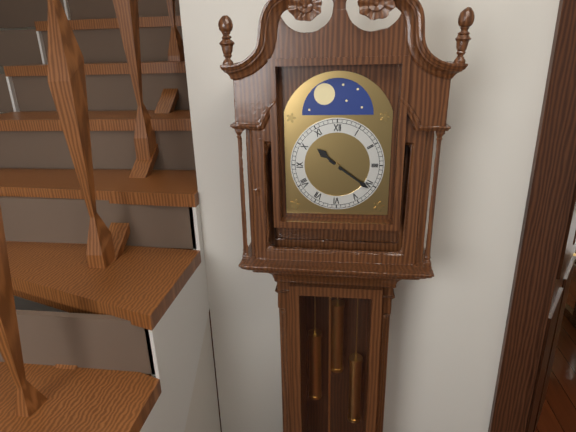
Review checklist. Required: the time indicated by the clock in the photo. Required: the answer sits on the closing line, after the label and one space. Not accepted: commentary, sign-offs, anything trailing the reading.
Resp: 10:21
